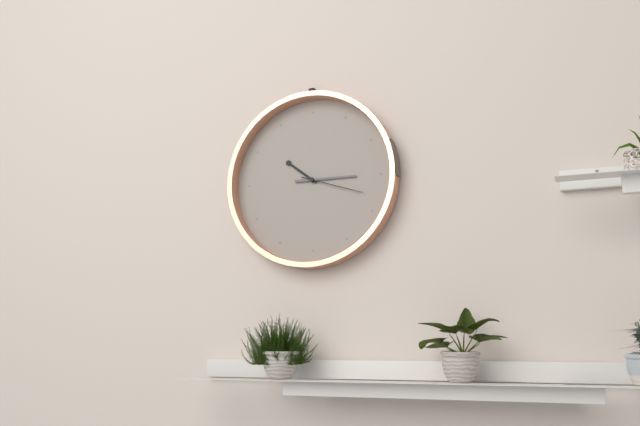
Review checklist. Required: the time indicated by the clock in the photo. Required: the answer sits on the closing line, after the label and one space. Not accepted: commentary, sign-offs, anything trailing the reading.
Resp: 10:15:18
